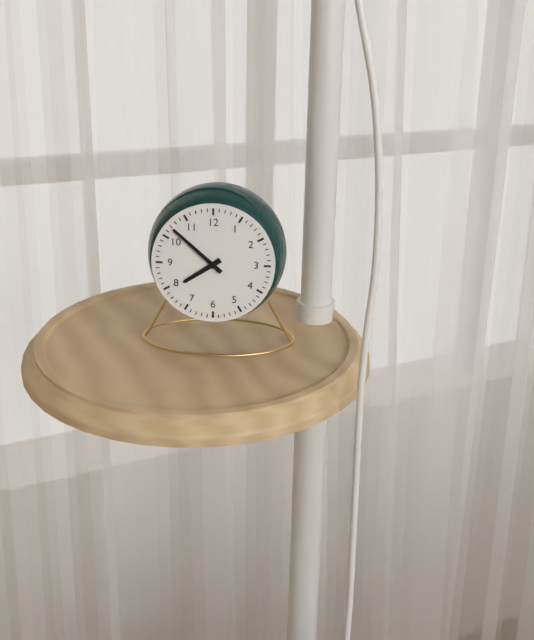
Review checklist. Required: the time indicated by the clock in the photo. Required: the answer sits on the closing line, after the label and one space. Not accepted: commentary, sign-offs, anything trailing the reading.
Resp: 7:52
